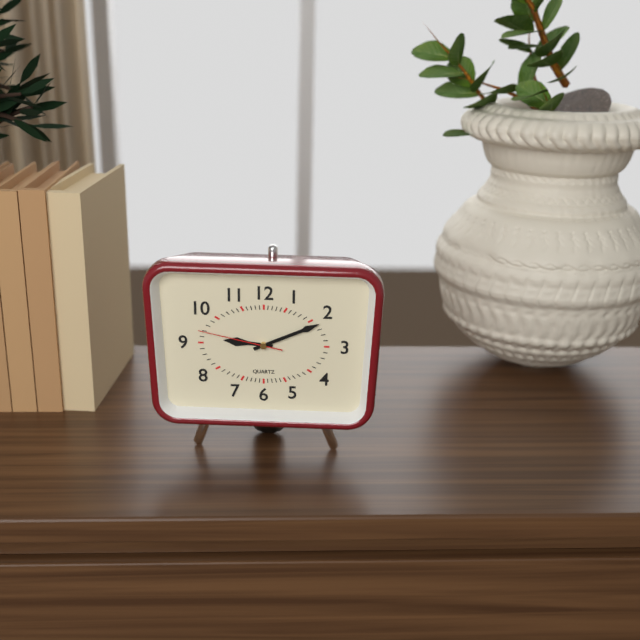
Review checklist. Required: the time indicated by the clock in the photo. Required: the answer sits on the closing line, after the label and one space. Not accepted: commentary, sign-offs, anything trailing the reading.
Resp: 9:11:47
